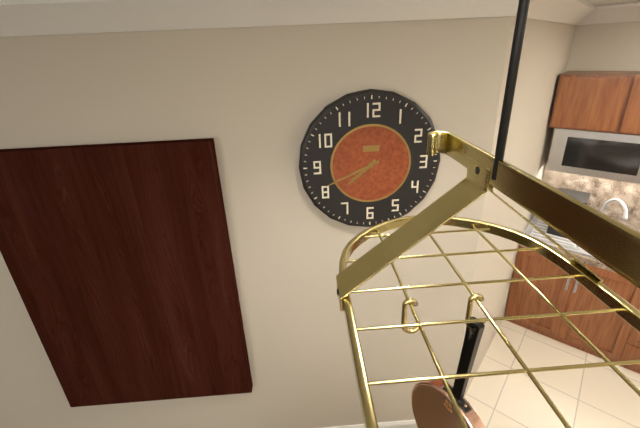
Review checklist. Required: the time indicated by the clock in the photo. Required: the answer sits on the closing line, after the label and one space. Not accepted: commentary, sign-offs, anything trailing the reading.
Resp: 7:41
